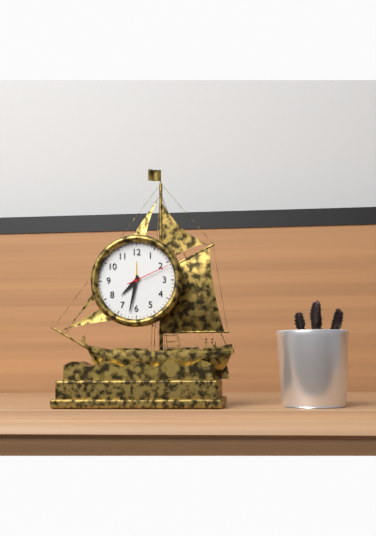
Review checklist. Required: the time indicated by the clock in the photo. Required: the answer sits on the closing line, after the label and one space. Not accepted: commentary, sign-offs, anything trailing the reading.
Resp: 7:32
